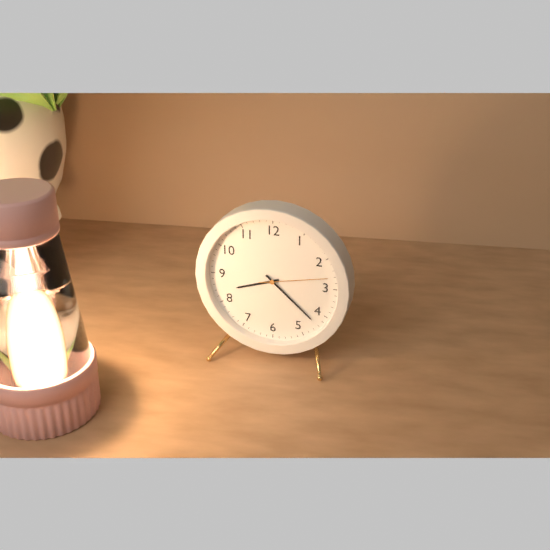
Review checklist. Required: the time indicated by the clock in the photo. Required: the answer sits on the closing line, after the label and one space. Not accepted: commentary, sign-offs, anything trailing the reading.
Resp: 8:22:13
